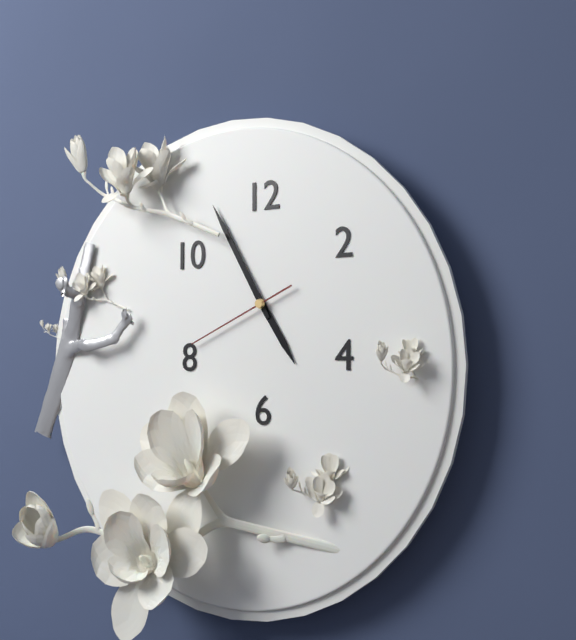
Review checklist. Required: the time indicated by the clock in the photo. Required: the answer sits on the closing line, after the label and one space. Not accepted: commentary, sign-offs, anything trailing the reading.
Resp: 4:55:41
